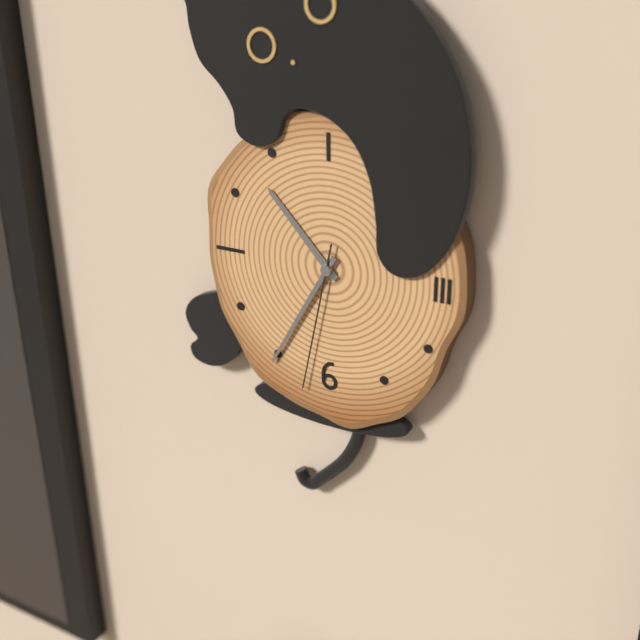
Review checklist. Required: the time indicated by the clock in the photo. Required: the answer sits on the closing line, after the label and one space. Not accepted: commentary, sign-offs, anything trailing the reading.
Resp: 10:35:32
